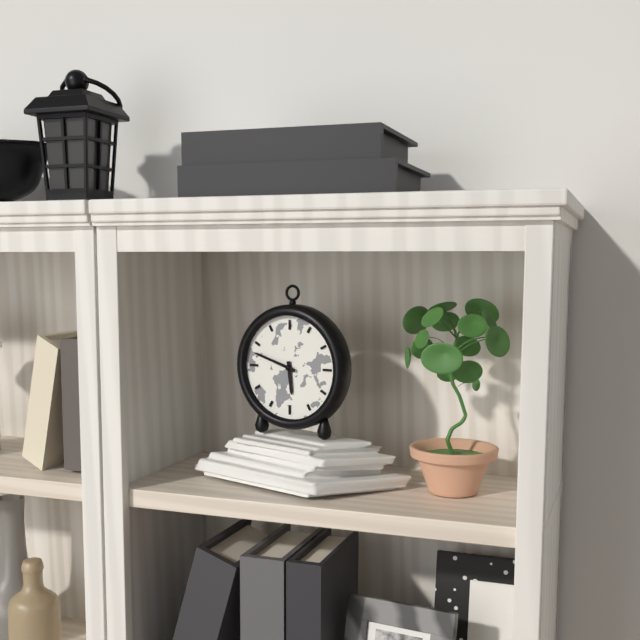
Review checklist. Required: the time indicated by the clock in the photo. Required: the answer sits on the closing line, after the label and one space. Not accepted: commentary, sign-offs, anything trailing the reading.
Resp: 5:48
